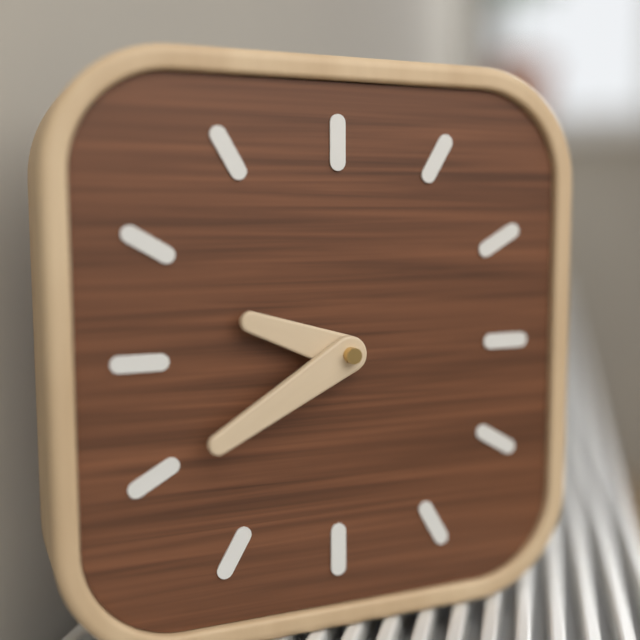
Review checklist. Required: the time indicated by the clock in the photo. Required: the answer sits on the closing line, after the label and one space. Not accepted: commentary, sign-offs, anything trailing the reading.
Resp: 9:40
